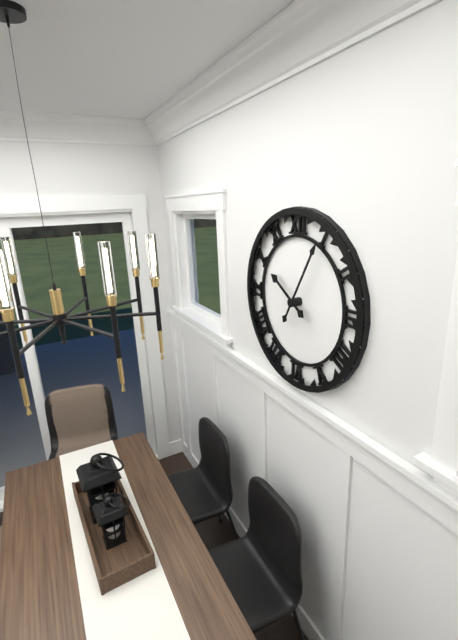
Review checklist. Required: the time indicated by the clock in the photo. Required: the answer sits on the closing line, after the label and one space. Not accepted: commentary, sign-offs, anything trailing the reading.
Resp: 10:05
